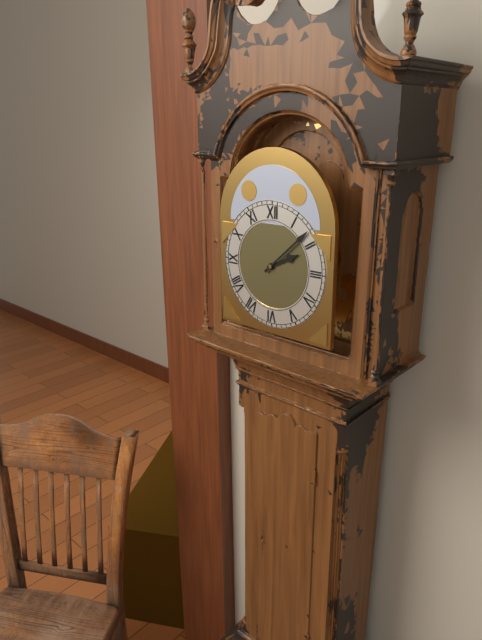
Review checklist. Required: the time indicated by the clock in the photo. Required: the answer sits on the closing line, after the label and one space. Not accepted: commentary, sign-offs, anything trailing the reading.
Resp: 2:08
